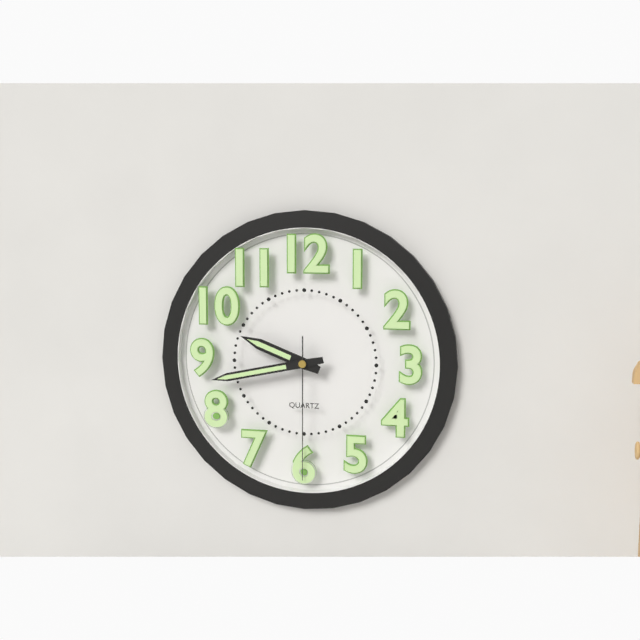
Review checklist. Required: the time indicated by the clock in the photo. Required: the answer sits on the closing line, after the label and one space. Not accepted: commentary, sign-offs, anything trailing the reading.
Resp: 9:43:30
